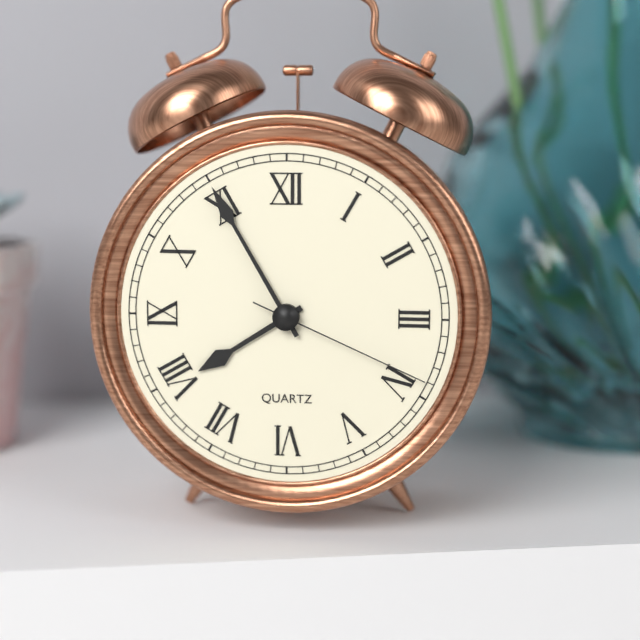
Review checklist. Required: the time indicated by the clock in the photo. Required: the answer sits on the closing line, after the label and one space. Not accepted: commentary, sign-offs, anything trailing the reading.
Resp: 7:55:19
